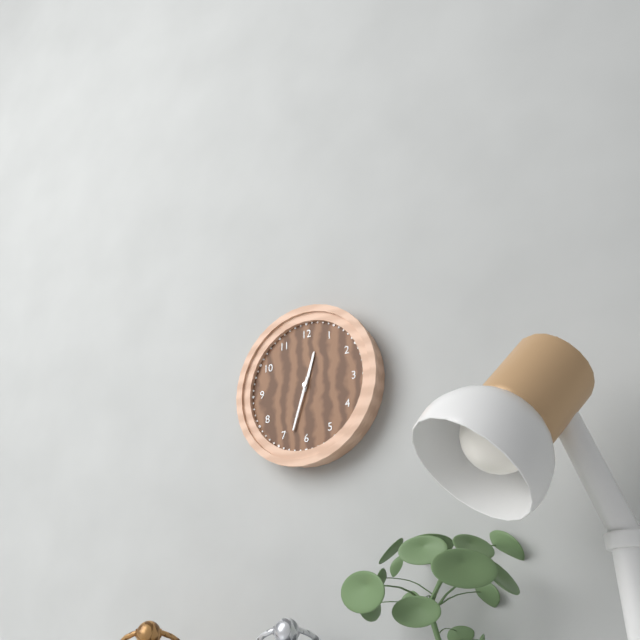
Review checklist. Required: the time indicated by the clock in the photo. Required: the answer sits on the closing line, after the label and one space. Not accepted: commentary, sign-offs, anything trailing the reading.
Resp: 12:33
